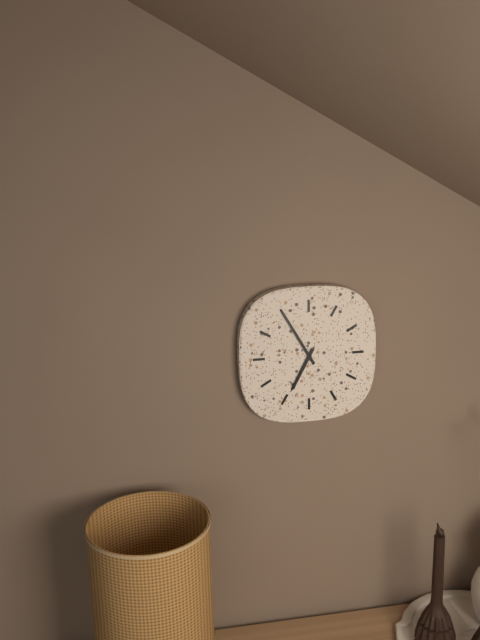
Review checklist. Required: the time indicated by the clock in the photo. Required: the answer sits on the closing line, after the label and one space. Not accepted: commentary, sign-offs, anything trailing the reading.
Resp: 6:55
